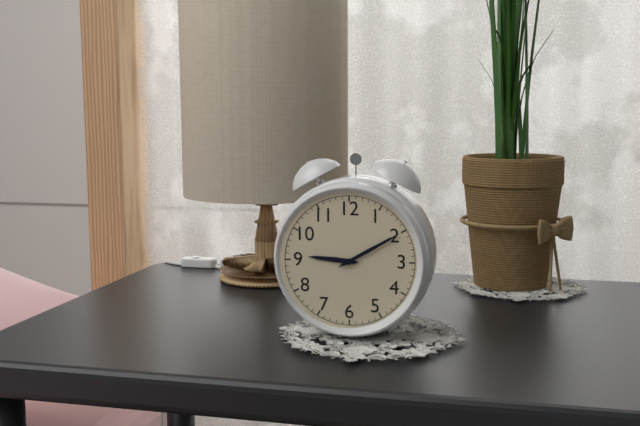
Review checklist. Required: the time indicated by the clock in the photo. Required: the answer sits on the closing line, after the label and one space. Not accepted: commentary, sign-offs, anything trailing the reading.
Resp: 9:10
